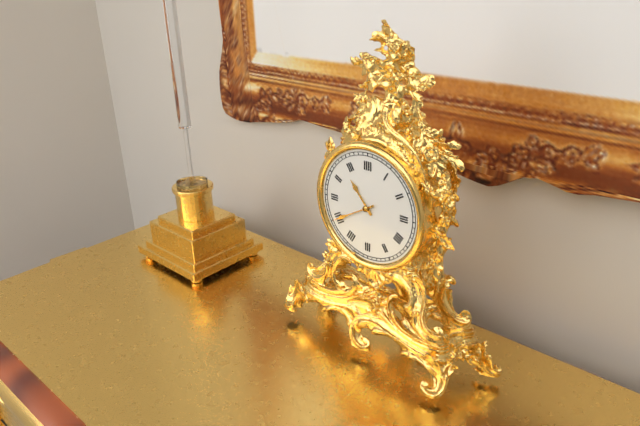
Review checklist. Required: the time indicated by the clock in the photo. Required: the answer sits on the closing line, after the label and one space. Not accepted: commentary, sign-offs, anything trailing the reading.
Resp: 10:40
